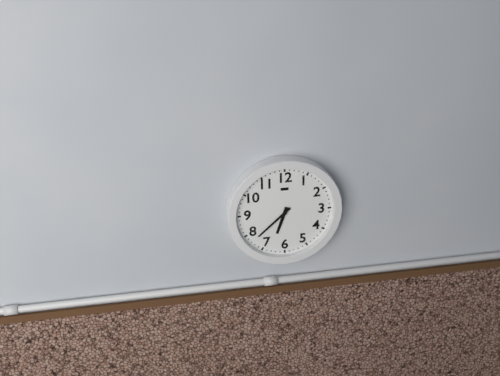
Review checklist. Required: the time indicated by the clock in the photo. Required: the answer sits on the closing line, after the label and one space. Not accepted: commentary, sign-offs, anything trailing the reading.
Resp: 6:38
